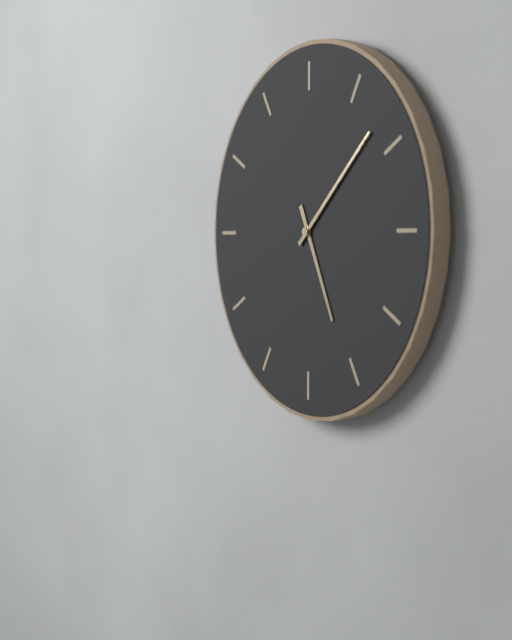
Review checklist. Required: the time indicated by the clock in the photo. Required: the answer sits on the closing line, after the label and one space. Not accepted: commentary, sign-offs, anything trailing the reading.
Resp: 5:08
